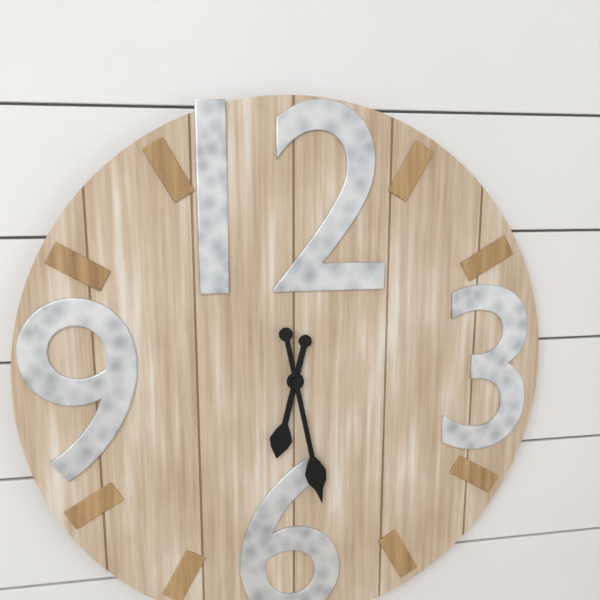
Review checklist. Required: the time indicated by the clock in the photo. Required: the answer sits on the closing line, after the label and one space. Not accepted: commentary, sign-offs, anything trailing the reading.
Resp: 6:28
